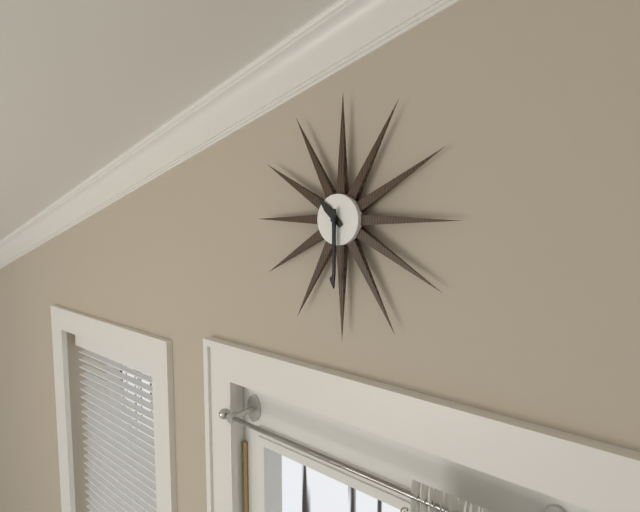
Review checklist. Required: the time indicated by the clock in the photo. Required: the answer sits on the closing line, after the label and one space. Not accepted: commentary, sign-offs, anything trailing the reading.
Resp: 10:30
